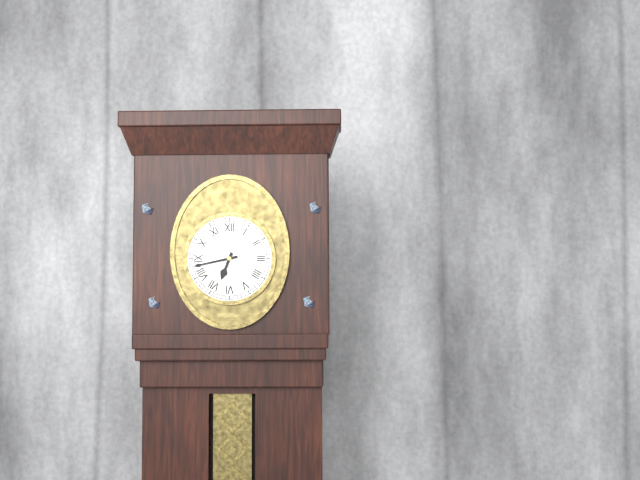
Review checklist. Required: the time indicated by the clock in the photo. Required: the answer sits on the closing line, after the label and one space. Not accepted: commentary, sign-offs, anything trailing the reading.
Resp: 6:43
